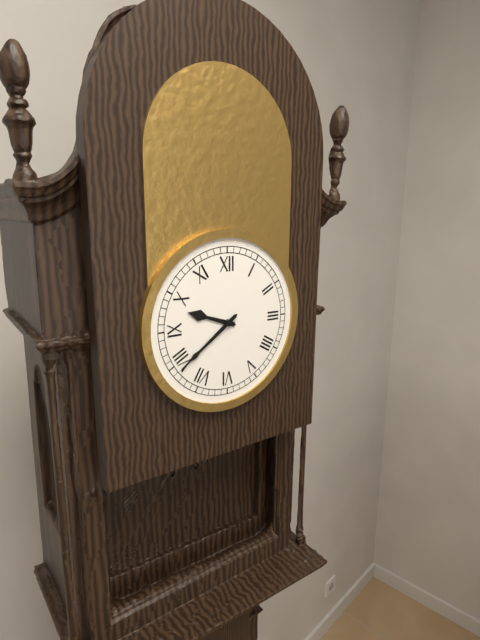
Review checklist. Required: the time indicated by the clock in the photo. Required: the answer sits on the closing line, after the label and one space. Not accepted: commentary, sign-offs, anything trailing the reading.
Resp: 9:39
